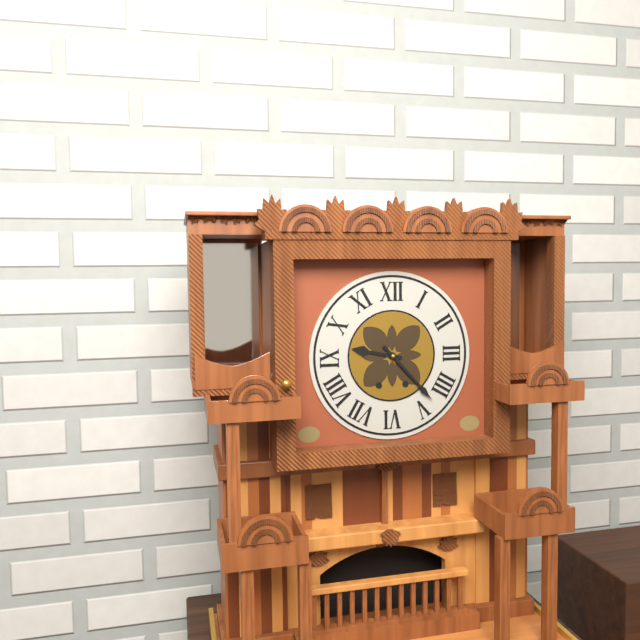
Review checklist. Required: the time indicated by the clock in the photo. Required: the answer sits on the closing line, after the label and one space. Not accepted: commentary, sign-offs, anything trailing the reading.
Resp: 9:23
